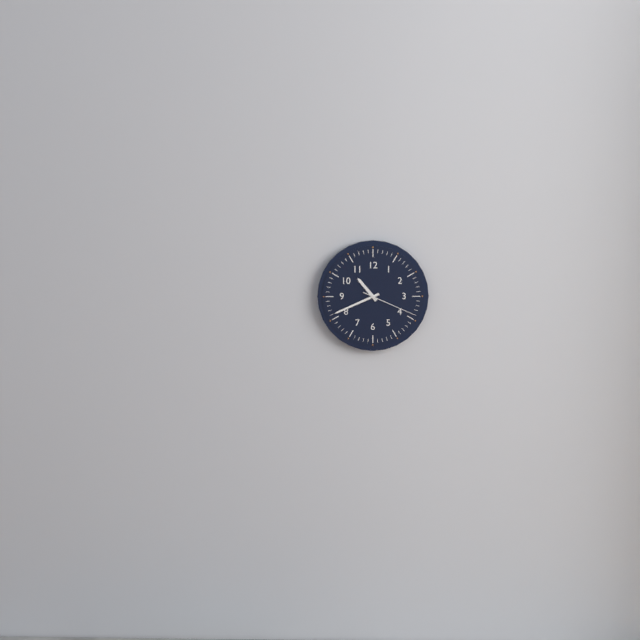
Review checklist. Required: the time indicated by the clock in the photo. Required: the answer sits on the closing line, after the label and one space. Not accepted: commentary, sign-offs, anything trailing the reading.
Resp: 10:41:19
